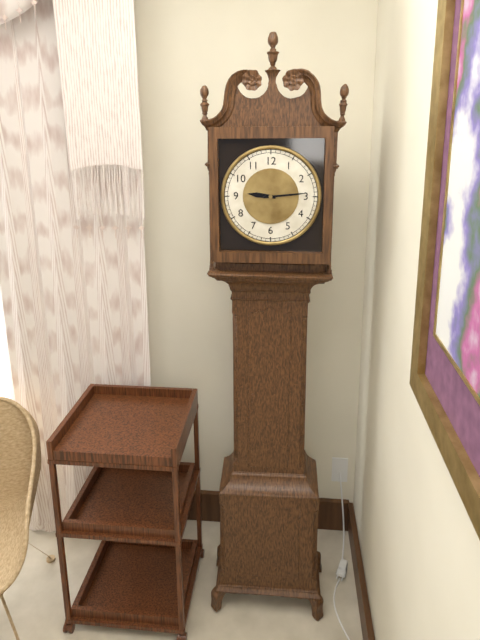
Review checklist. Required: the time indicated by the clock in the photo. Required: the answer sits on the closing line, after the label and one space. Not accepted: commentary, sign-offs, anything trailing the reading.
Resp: 9:14
